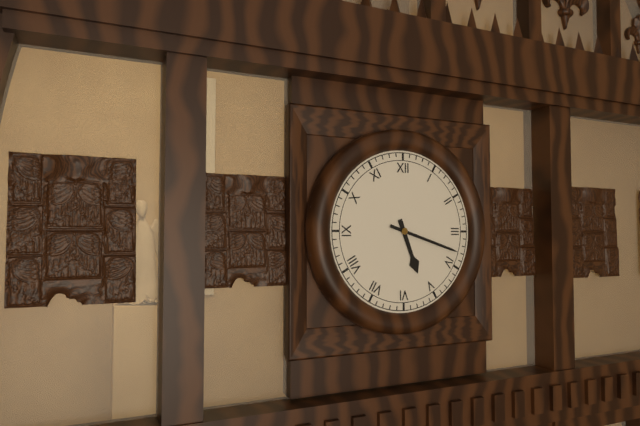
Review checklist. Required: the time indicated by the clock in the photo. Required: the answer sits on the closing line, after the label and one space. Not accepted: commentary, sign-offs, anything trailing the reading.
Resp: 5:18
